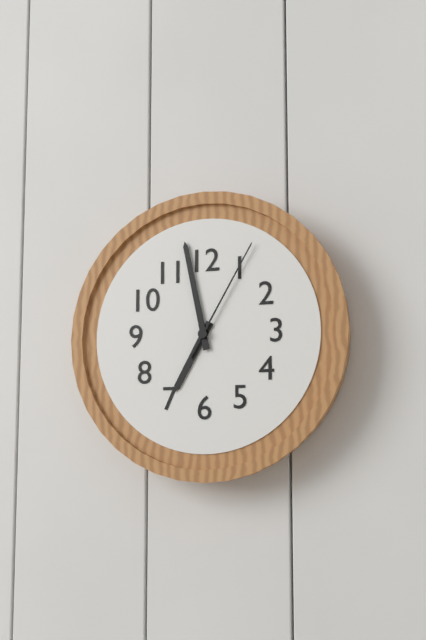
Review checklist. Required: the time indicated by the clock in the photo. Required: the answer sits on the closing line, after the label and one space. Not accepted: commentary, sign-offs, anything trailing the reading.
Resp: 6:58:05
